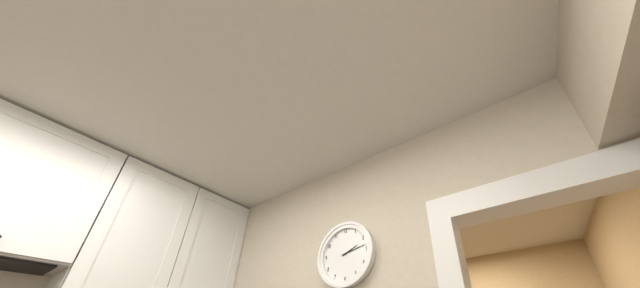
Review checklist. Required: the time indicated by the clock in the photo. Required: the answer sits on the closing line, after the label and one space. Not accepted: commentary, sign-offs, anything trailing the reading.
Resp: 2:13
